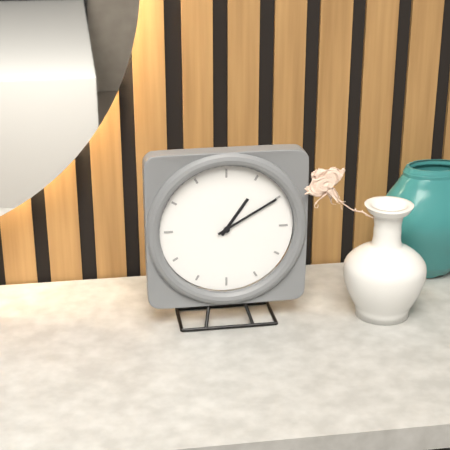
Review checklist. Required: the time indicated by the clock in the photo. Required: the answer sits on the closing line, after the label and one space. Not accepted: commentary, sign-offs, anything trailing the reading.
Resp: 1:10
